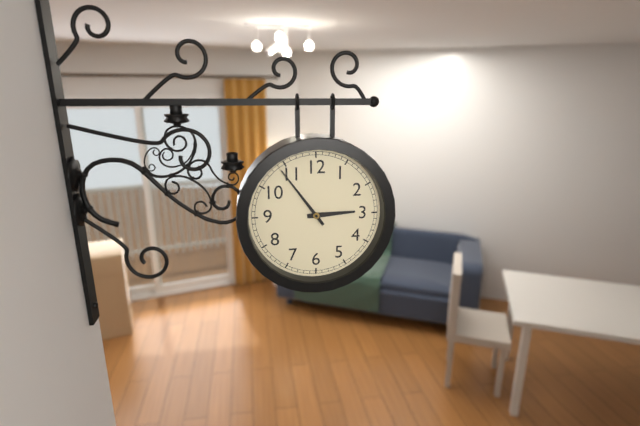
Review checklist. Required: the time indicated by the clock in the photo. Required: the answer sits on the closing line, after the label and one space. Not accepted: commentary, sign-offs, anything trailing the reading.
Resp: 2:54
